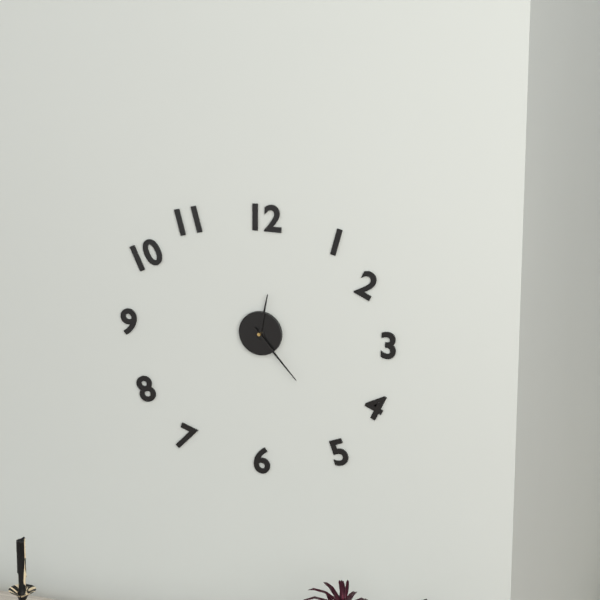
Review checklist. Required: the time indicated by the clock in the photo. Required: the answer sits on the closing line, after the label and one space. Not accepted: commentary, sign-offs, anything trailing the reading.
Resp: 12:23
